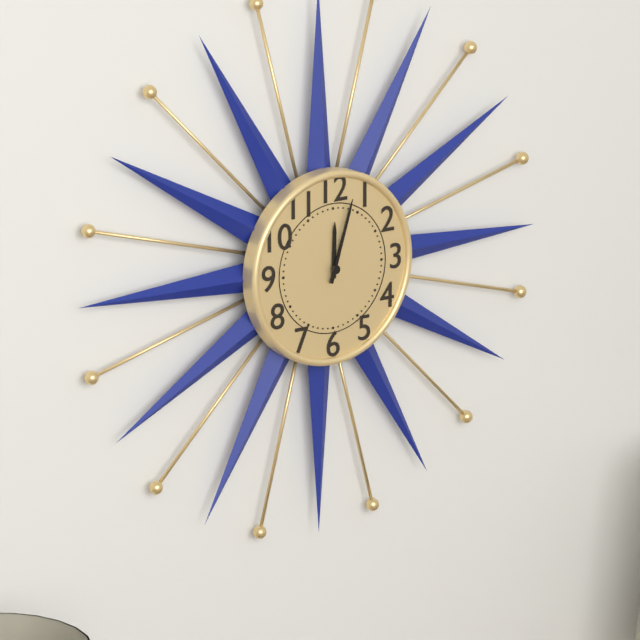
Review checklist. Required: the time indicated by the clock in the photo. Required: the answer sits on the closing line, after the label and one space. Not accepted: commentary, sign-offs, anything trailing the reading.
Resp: 12:03
